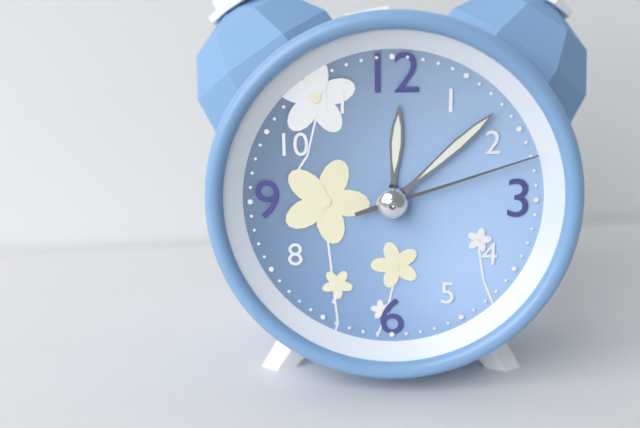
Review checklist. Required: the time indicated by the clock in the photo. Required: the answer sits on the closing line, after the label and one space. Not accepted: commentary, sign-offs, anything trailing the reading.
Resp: 12:08:12
